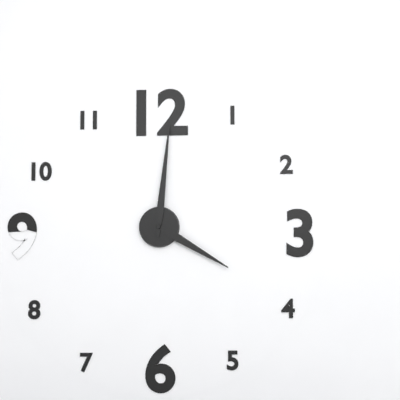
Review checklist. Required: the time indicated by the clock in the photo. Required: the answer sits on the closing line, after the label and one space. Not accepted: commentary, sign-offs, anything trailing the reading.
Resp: 4:01
